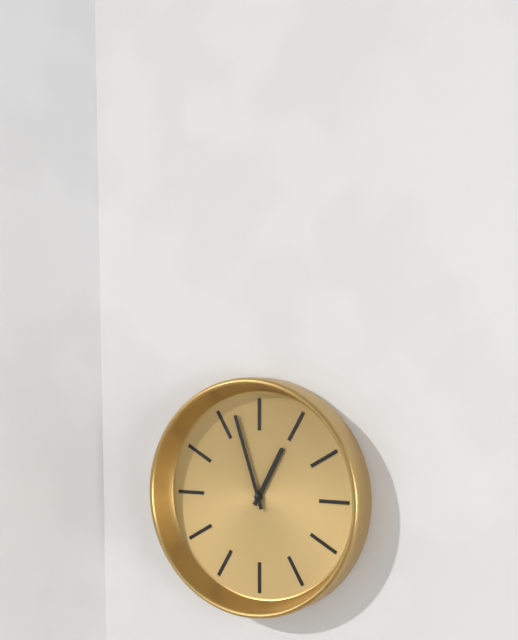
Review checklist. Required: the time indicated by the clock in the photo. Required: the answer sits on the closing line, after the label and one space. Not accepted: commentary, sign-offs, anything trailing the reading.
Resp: 12:57
